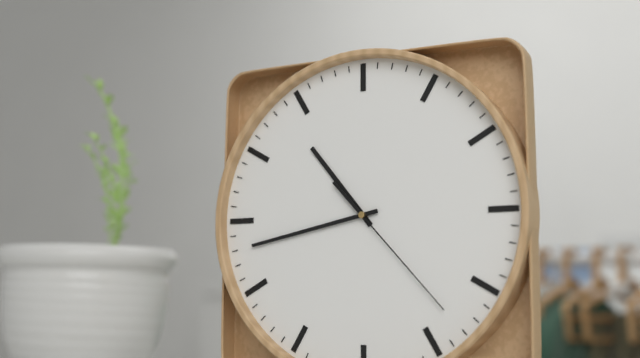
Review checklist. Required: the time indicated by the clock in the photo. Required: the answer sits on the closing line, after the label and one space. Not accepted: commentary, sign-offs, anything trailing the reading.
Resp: 10:43:23
